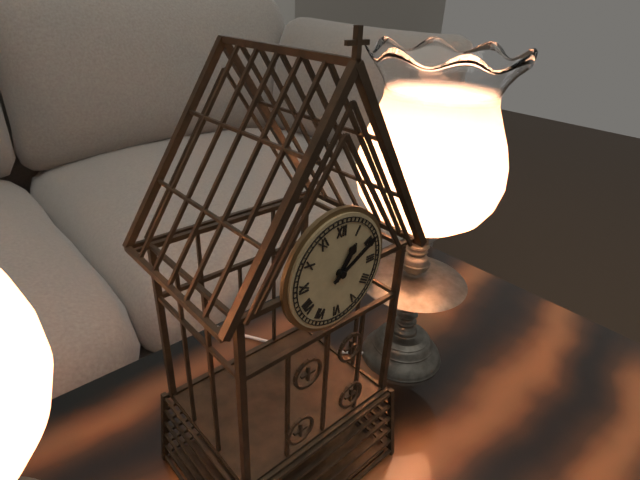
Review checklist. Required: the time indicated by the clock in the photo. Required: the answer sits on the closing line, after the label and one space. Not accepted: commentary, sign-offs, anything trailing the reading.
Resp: 1:10
